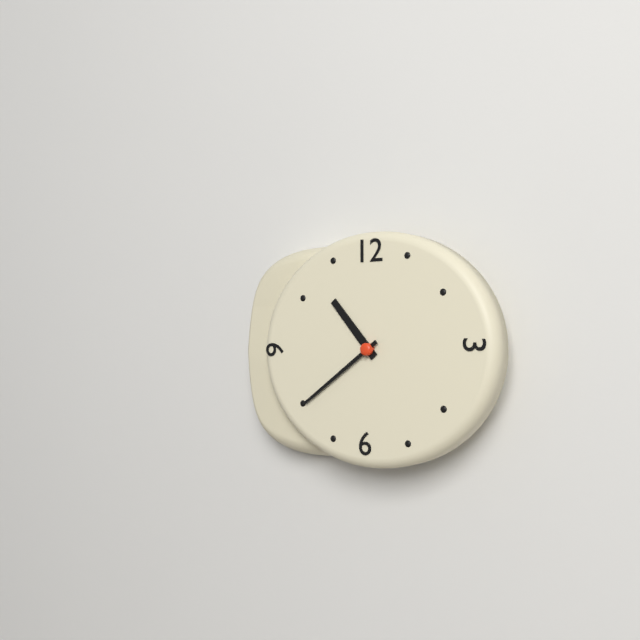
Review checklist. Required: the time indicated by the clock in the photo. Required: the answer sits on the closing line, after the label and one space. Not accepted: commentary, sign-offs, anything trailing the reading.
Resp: 10:39
